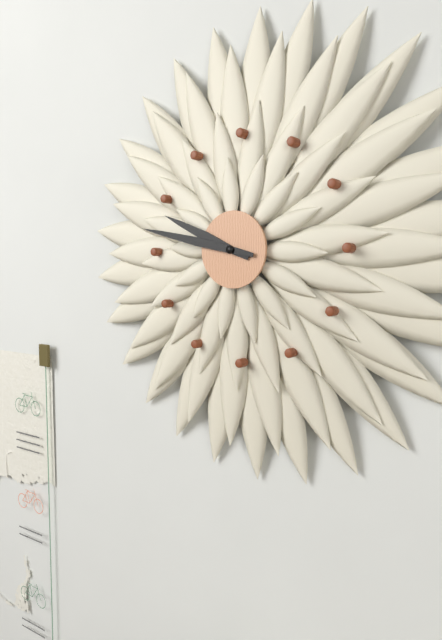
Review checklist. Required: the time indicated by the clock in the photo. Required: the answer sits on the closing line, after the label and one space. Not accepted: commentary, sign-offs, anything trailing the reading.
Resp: 9:47
